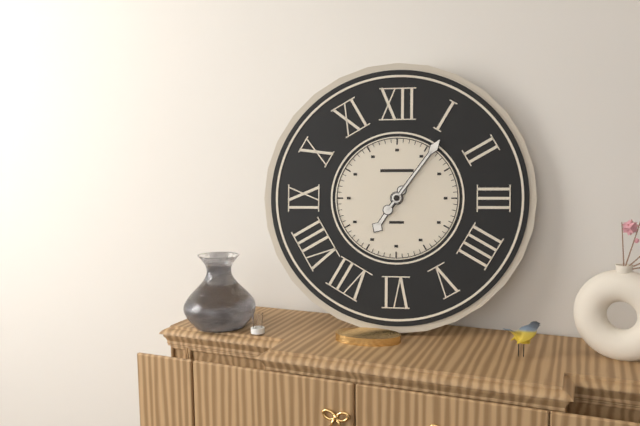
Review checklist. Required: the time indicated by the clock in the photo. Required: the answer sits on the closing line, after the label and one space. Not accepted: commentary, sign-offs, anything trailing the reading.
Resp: 7:06
